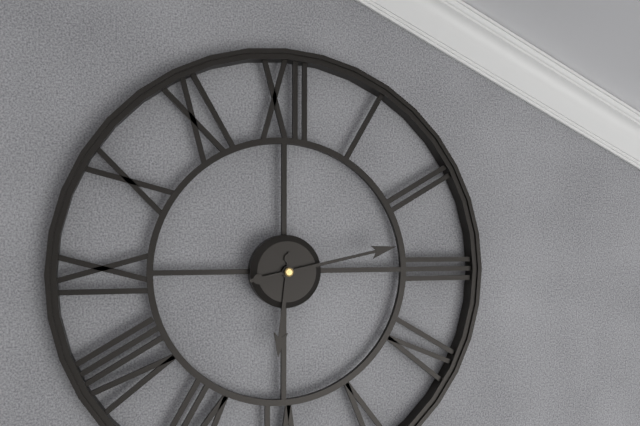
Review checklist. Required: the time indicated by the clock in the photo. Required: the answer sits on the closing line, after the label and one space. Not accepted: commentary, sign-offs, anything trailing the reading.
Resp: 6:13
